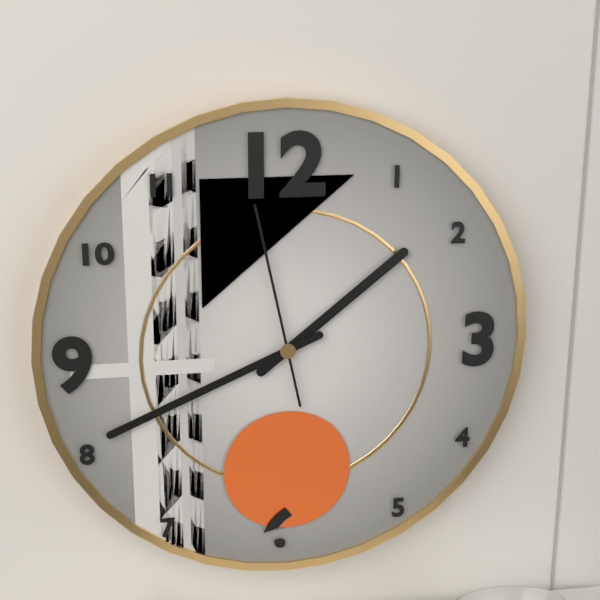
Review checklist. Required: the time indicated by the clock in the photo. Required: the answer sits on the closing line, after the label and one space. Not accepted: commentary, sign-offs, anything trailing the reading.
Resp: 1:41:58
